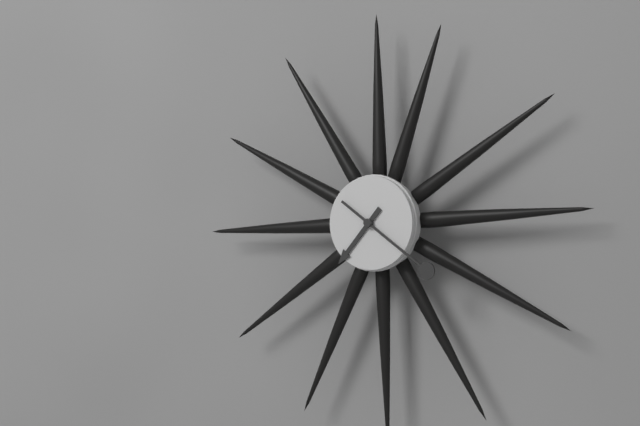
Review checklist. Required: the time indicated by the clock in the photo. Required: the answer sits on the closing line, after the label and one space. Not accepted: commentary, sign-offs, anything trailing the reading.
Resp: 7:21
